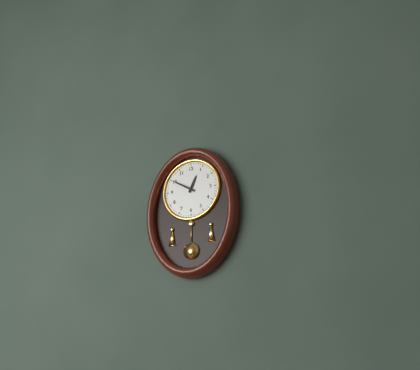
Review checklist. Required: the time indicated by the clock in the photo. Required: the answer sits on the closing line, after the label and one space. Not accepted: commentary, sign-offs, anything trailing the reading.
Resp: 12:50
